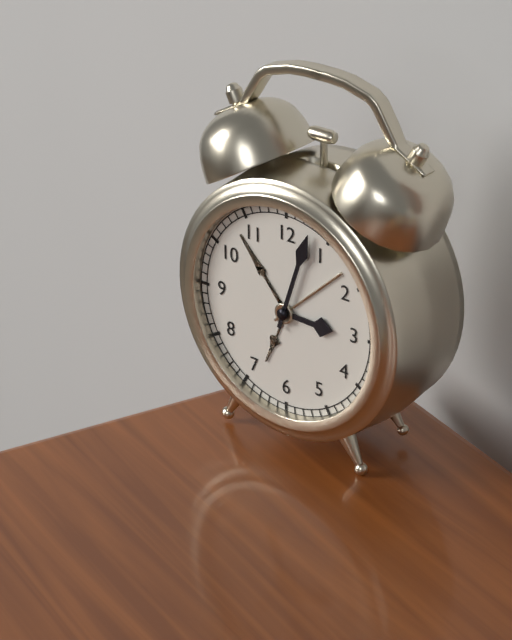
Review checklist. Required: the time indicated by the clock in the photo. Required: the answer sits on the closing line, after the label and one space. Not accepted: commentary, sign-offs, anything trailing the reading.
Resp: 3:03
